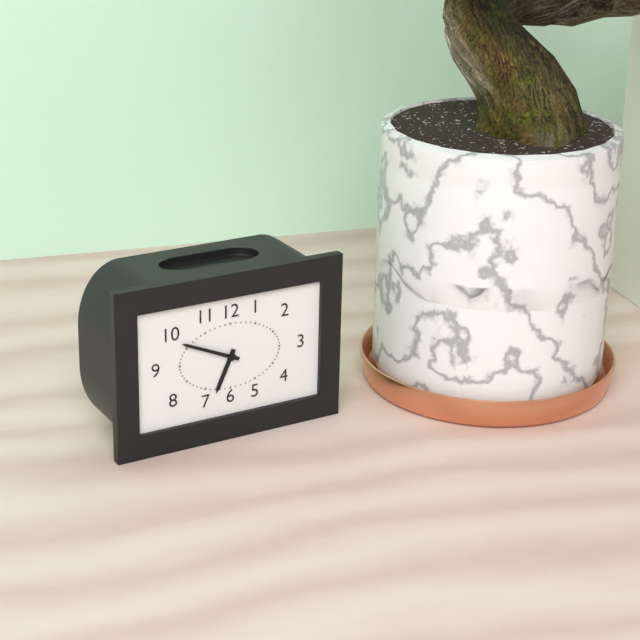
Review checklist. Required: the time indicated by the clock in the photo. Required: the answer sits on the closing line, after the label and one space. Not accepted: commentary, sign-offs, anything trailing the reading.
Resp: 6:49
